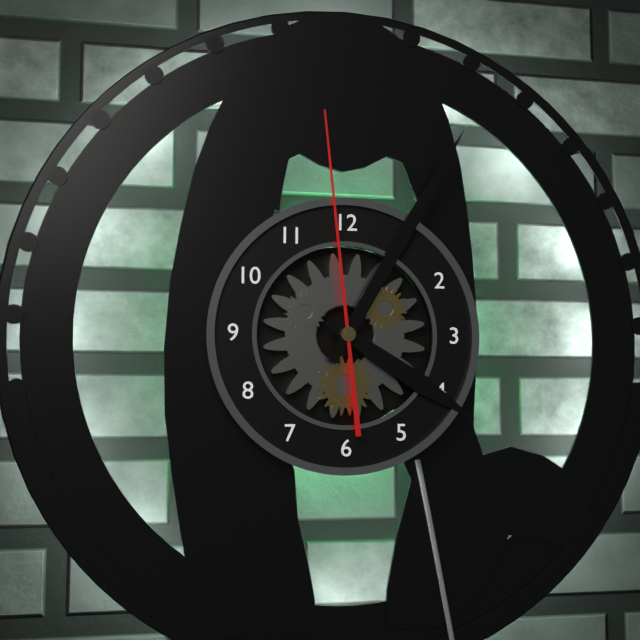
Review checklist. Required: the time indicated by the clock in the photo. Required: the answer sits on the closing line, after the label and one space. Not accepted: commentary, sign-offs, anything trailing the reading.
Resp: 4:05:59
